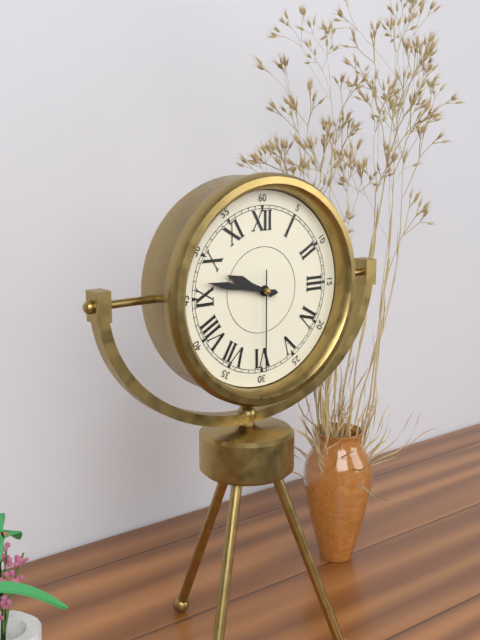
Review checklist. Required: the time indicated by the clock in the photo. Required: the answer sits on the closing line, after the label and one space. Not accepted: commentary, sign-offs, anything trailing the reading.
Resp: 9:47:30
